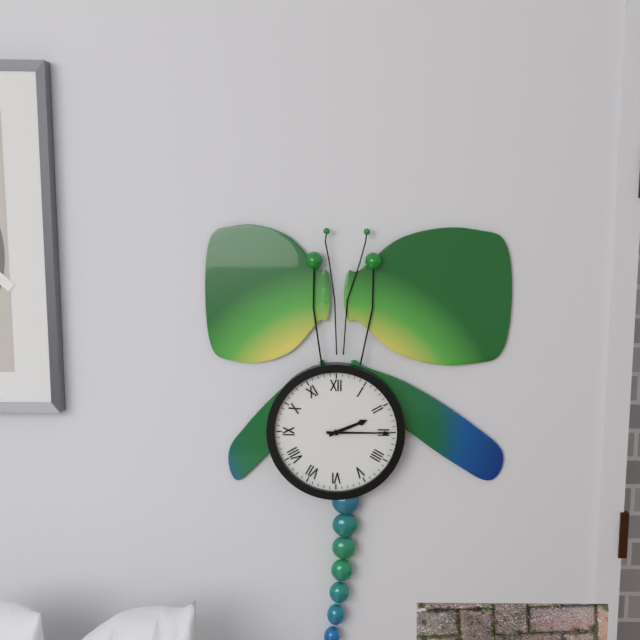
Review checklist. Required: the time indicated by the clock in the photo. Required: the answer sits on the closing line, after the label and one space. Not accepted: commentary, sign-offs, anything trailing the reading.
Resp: 2:15
